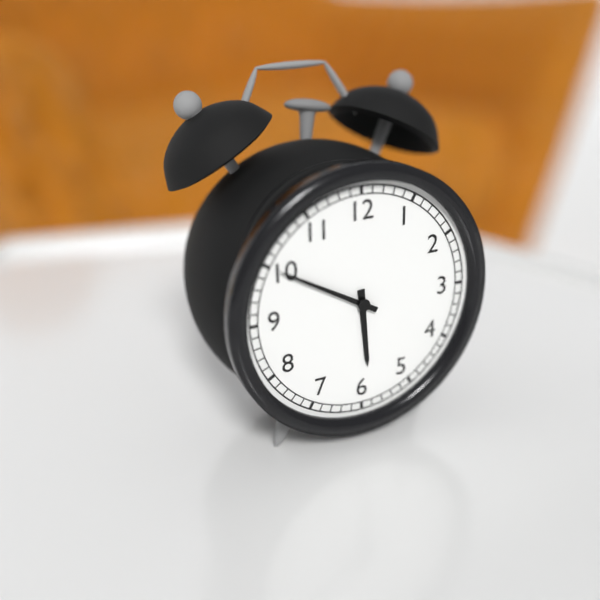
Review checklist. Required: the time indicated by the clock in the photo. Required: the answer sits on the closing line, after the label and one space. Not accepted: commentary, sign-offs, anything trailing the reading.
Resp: 5:50
